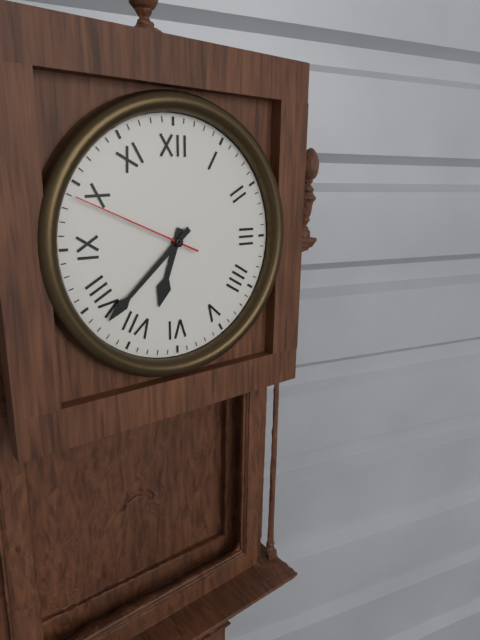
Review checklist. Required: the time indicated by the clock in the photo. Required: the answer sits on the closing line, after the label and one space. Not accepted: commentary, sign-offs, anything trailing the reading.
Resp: 6:38:49
